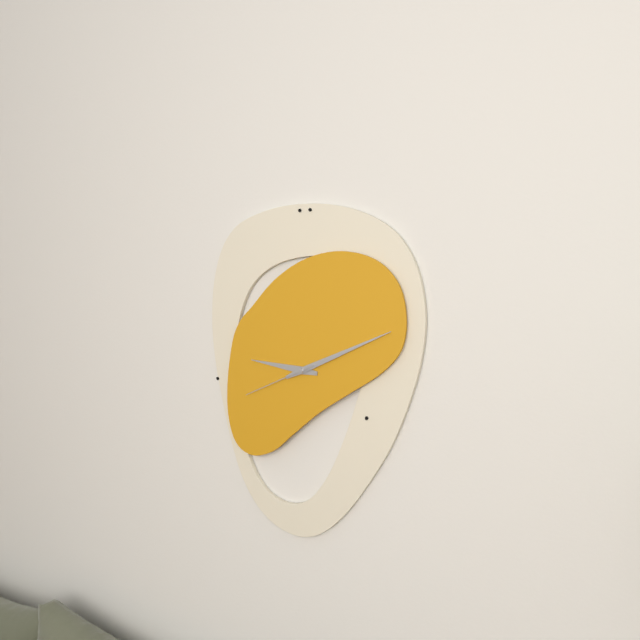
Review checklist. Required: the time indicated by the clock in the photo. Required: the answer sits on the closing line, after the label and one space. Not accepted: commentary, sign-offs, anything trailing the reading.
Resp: 9:11:41
